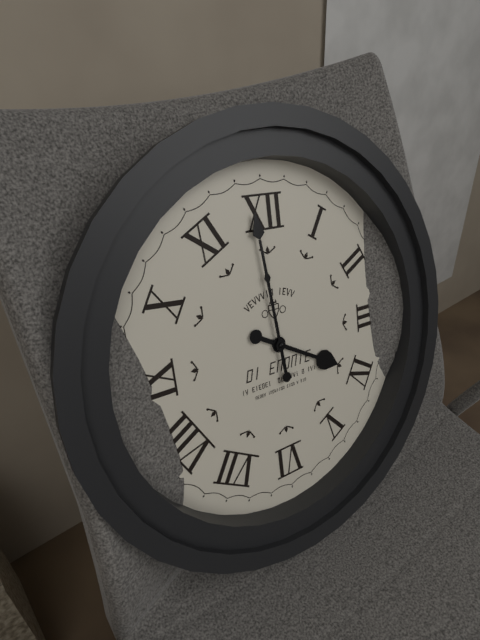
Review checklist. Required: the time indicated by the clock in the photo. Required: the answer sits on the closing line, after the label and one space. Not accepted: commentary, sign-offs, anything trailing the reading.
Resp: 3:59
